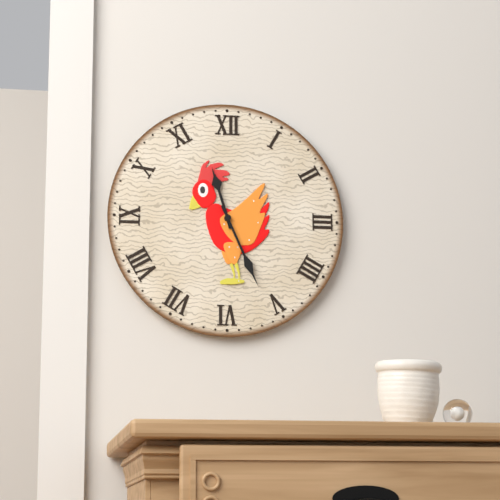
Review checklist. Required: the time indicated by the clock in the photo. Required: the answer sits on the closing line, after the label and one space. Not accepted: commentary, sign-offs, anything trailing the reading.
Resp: 11:26
